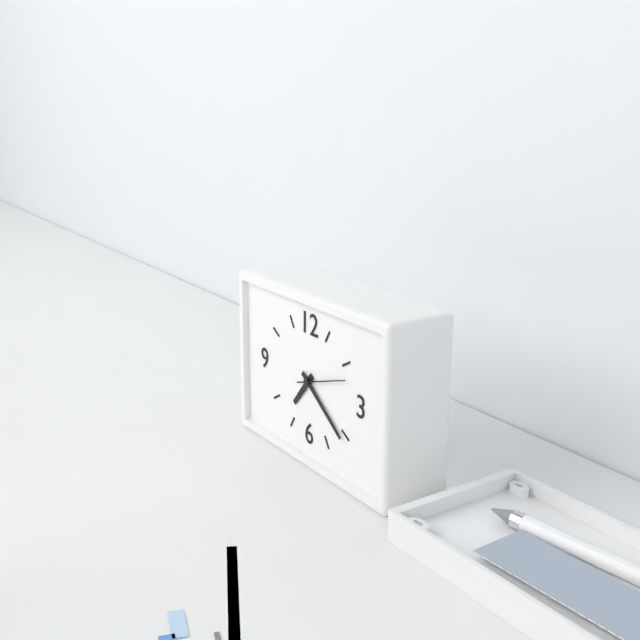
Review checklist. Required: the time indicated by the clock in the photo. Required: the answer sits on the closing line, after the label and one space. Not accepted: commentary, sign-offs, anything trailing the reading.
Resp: 7:21
